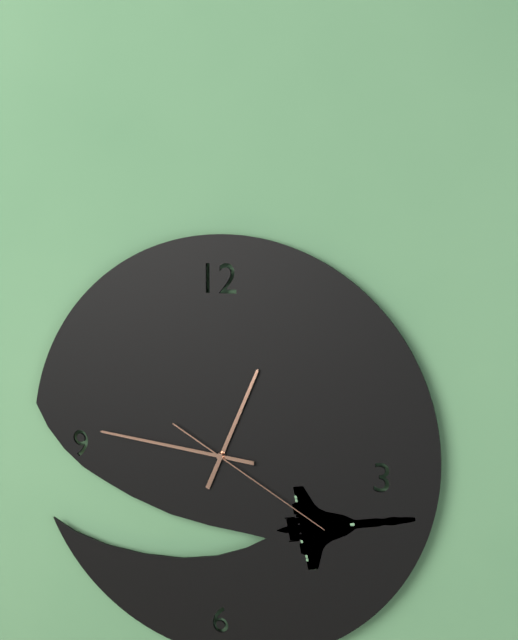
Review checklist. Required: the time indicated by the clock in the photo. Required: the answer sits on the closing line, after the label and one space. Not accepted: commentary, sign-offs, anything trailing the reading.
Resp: 12:46:20
